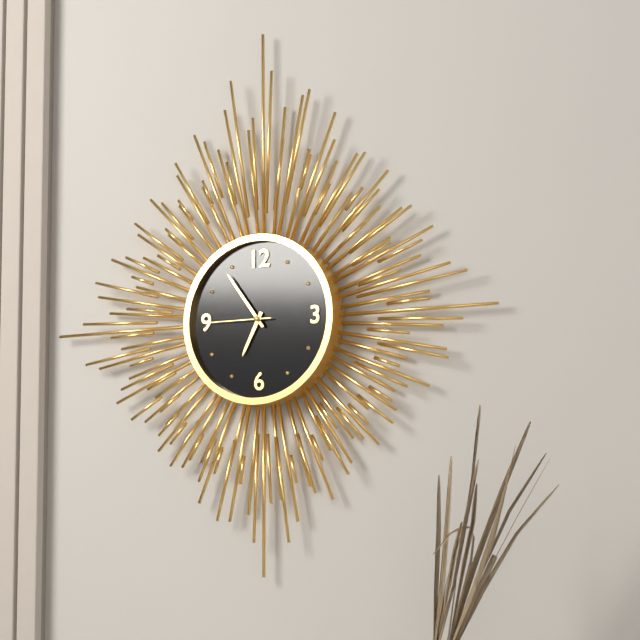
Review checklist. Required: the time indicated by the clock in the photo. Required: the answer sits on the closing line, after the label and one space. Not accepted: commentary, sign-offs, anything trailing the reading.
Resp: 6:54:45
